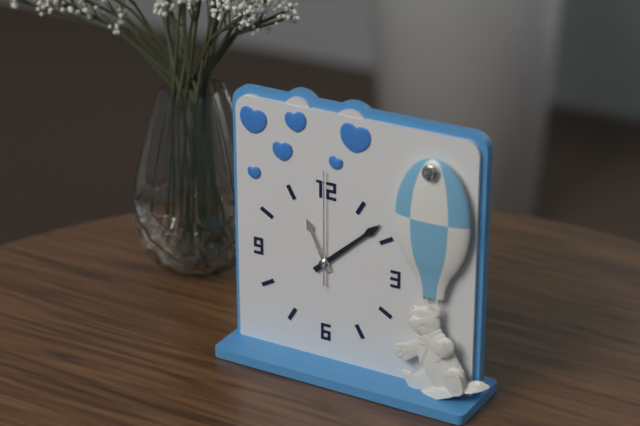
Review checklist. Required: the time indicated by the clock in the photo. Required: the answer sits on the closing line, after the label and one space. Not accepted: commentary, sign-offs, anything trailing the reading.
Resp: 11:08:00
